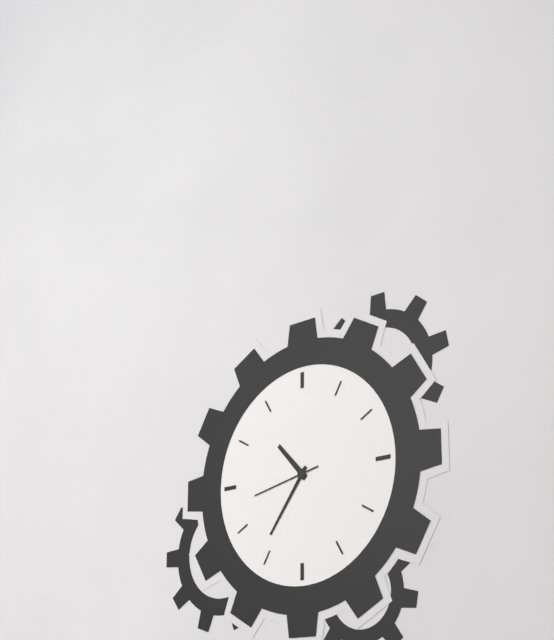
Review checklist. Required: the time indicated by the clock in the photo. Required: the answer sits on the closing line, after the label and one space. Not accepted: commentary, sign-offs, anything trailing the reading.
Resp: 10:36:43
